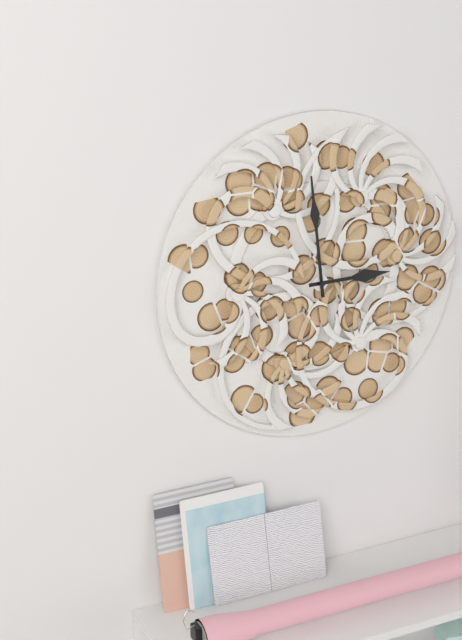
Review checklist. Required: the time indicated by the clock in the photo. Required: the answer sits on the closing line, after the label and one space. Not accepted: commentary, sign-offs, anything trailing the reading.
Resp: 2:59
